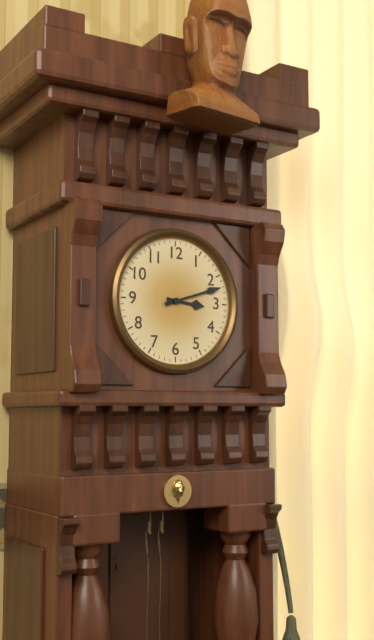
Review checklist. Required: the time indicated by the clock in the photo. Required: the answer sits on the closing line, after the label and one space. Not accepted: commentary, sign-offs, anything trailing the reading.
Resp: 3:12
